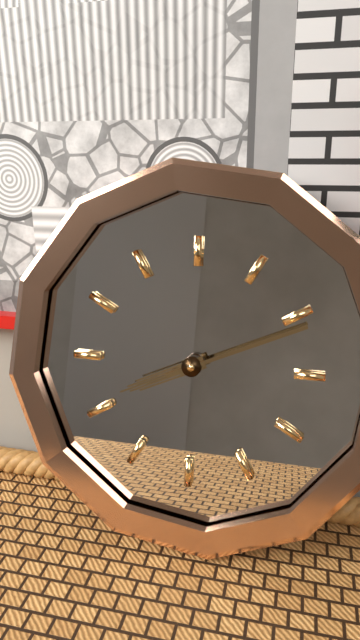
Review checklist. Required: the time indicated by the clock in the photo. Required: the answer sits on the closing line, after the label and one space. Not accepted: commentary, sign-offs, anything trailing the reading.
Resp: 8:11
